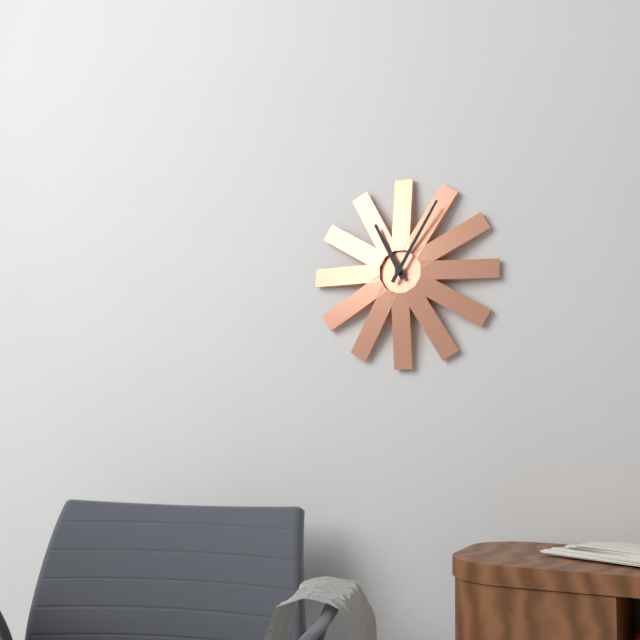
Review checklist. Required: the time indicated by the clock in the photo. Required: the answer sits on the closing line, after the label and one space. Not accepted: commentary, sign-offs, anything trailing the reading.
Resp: 11:05
